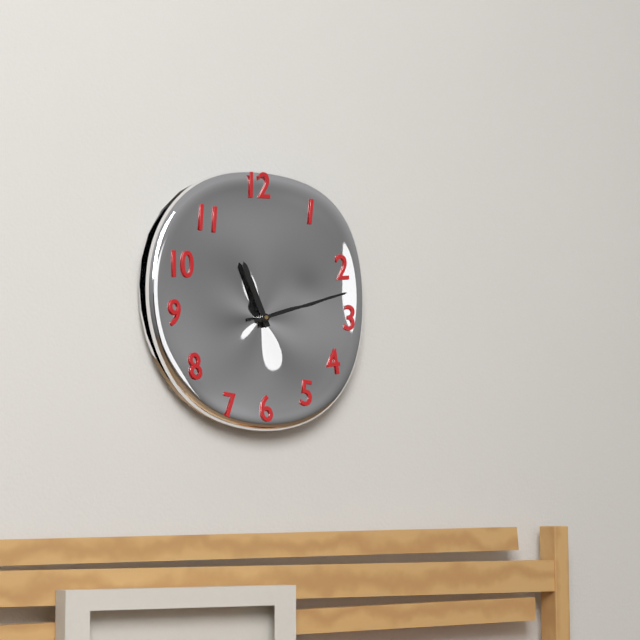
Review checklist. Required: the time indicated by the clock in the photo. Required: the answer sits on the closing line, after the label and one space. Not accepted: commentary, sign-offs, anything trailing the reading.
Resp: 11:12
